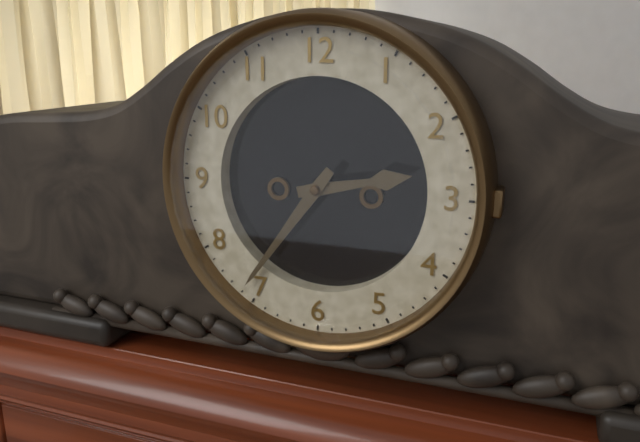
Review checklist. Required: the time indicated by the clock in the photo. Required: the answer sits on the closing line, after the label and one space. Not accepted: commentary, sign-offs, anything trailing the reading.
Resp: 2:36
